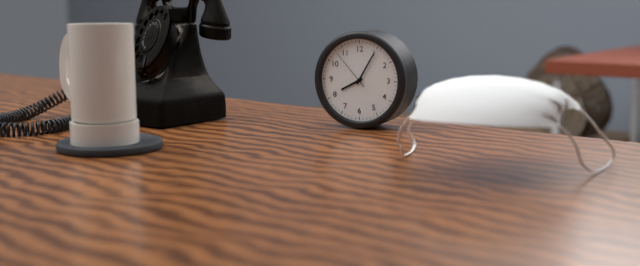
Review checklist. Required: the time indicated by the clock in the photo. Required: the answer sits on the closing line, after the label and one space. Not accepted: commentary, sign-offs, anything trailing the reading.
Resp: 8:05
